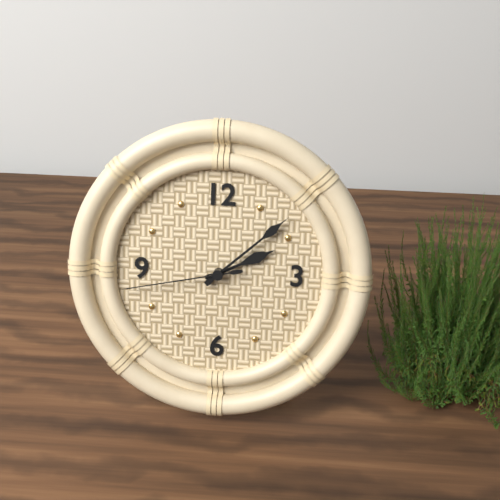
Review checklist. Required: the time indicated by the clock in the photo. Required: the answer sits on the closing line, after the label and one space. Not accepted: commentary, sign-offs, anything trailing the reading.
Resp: 2:08:43
